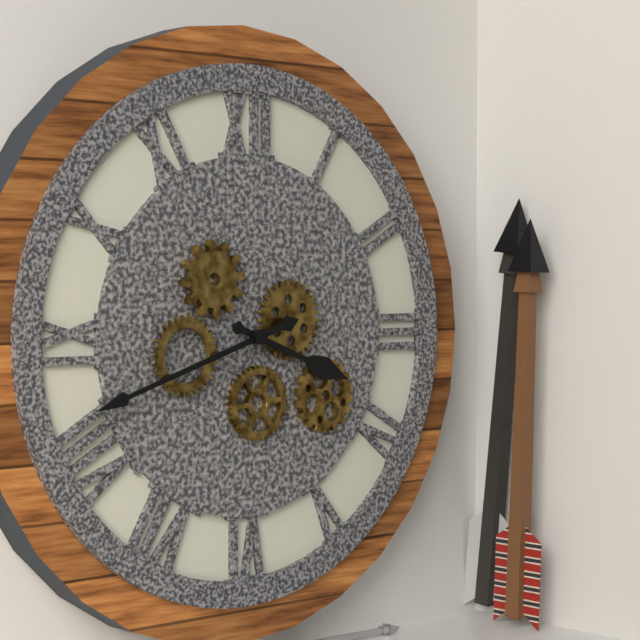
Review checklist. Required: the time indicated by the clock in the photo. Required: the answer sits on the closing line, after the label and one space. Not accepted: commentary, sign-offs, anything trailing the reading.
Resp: 3:42
